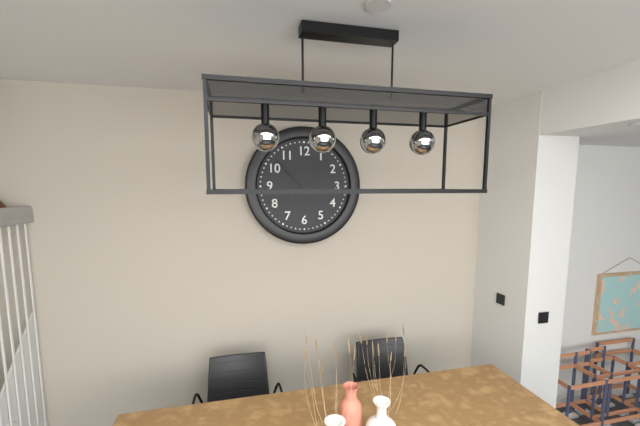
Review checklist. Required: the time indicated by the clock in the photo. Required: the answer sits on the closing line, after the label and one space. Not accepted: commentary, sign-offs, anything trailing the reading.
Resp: 7:52
